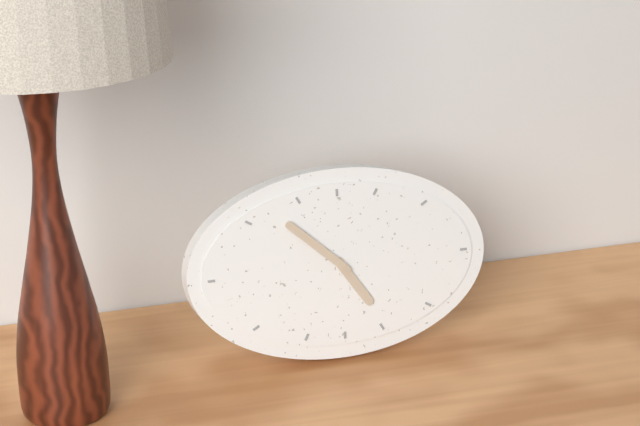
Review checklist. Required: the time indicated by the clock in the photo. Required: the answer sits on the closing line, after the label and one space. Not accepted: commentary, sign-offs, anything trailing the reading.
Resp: 4:52
